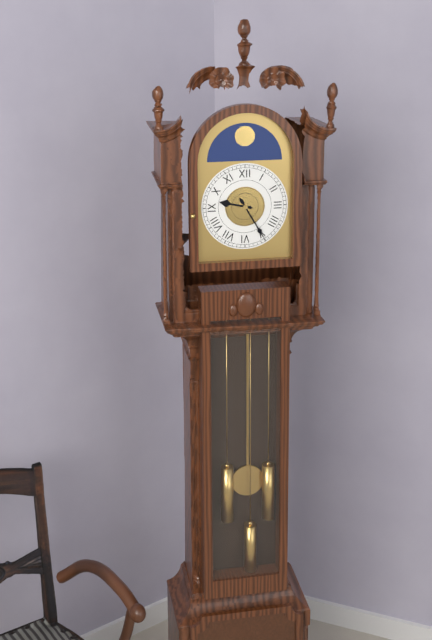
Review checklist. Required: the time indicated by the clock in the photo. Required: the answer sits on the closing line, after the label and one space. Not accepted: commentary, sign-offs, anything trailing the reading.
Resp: 9:25
